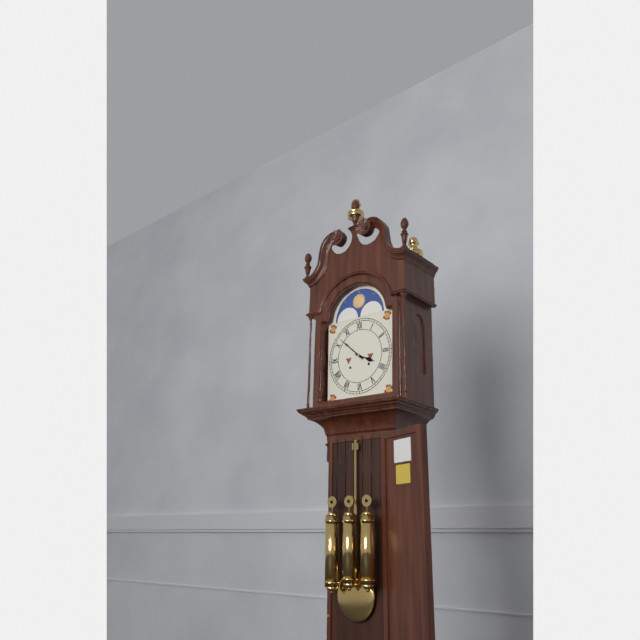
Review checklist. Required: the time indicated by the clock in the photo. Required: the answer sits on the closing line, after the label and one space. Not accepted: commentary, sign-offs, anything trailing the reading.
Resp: 3:52
